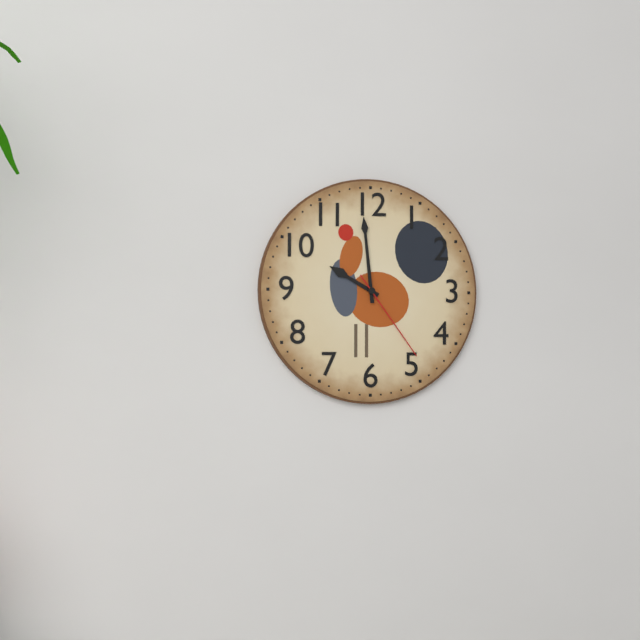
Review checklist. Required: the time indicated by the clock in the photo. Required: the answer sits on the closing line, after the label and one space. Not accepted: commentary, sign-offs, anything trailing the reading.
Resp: 9:59:24
